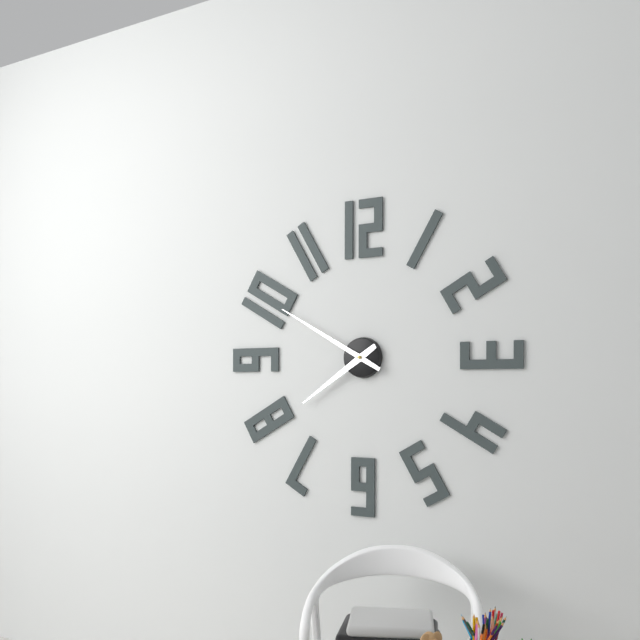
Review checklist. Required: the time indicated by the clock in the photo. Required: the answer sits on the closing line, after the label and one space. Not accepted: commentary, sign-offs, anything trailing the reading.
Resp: 7:50
